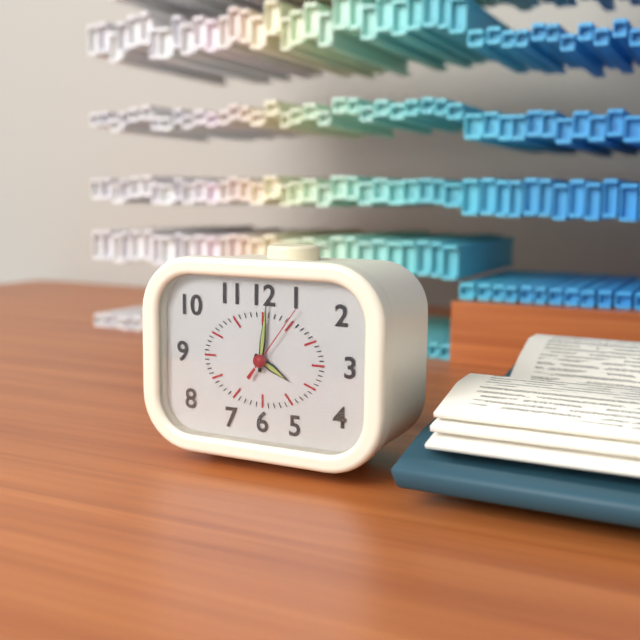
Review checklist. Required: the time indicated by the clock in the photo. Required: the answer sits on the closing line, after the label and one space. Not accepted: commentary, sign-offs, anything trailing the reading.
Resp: 4:01:06
